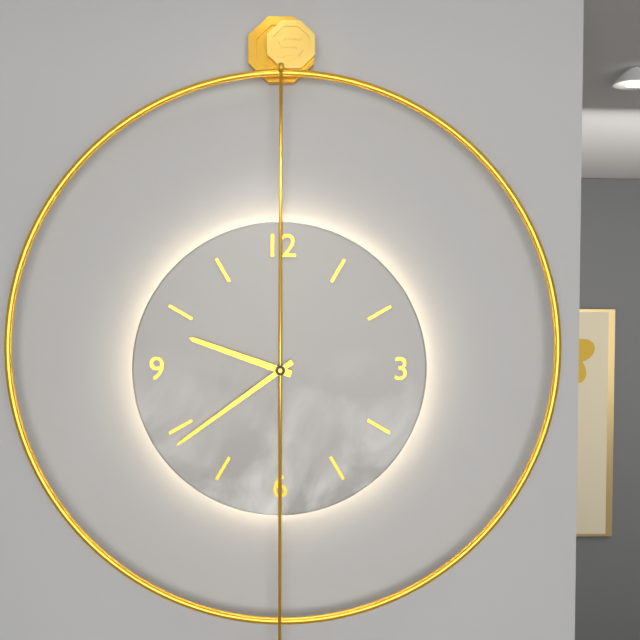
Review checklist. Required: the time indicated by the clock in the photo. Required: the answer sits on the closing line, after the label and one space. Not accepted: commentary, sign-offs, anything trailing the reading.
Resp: 9:39
